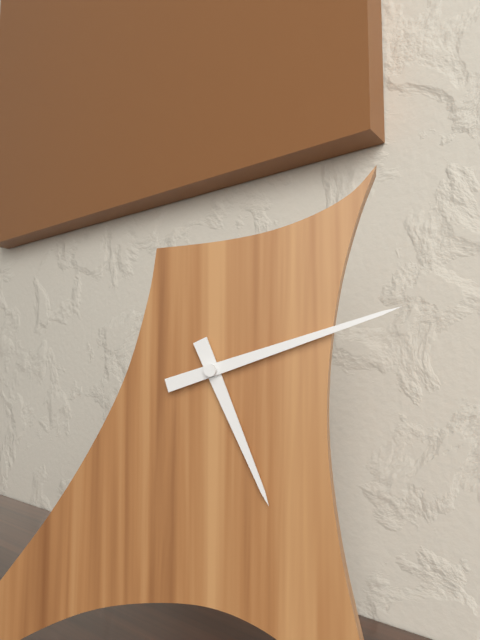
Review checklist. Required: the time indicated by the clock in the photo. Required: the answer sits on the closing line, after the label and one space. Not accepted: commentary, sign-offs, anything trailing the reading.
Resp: 5:12
